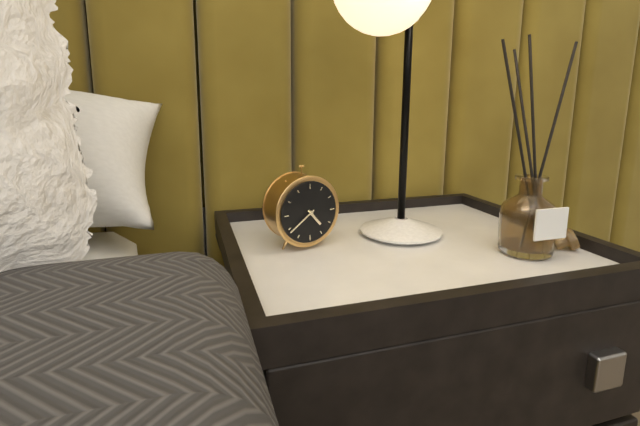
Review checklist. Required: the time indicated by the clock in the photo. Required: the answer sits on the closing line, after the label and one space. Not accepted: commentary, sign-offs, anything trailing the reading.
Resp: 4:39
